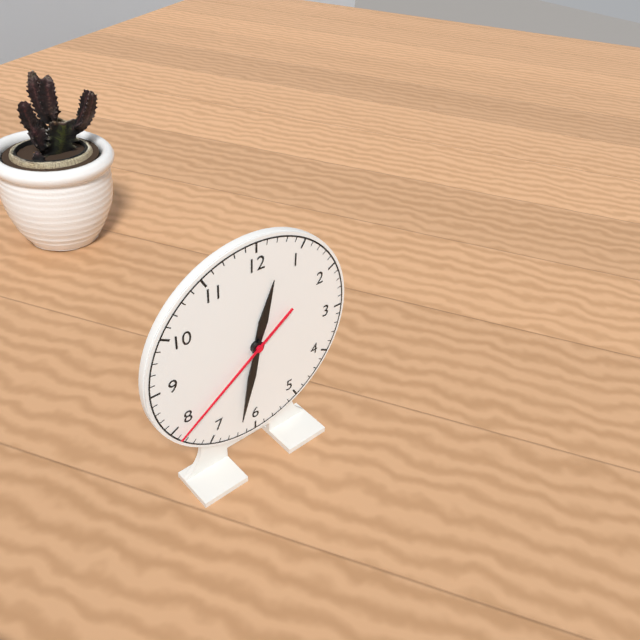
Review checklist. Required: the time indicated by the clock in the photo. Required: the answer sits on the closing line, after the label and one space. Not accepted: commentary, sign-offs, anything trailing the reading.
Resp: 12:32:39
